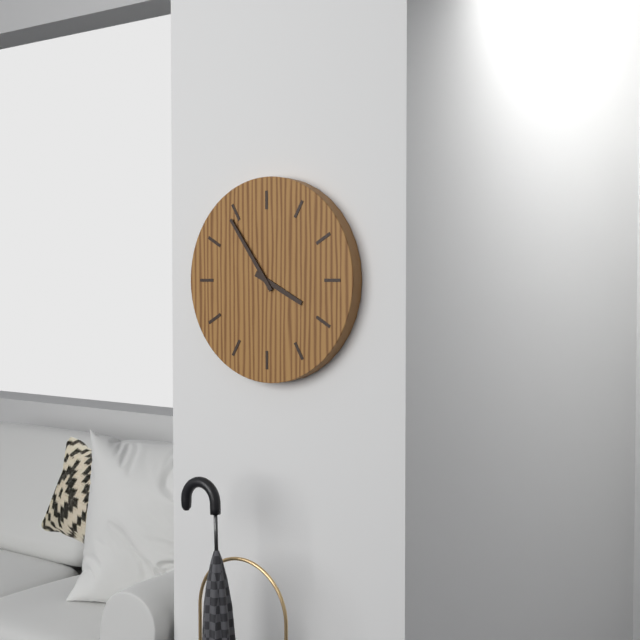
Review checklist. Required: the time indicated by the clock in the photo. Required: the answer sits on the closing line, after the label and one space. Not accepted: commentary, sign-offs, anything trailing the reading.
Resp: 3:54
